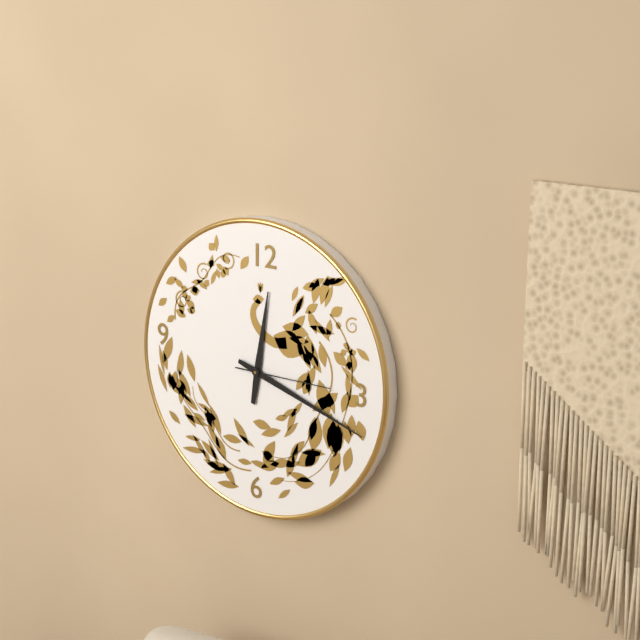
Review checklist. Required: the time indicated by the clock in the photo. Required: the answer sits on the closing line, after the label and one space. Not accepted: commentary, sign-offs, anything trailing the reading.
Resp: 12:18:15
